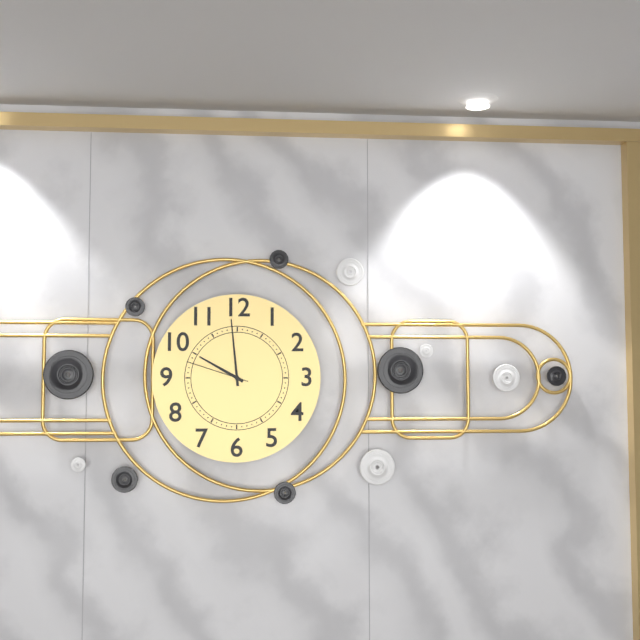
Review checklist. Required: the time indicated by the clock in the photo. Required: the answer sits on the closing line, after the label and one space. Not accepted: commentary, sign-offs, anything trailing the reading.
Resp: 9:59:48
